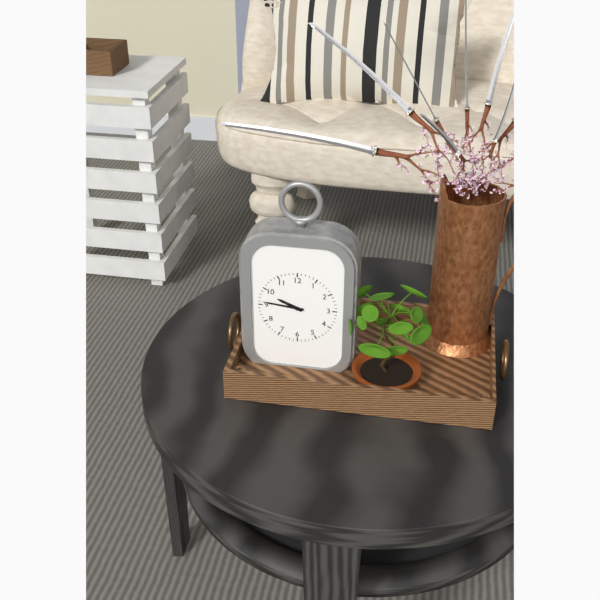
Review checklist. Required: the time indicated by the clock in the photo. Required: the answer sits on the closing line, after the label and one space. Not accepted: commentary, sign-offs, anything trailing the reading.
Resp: 9:46
